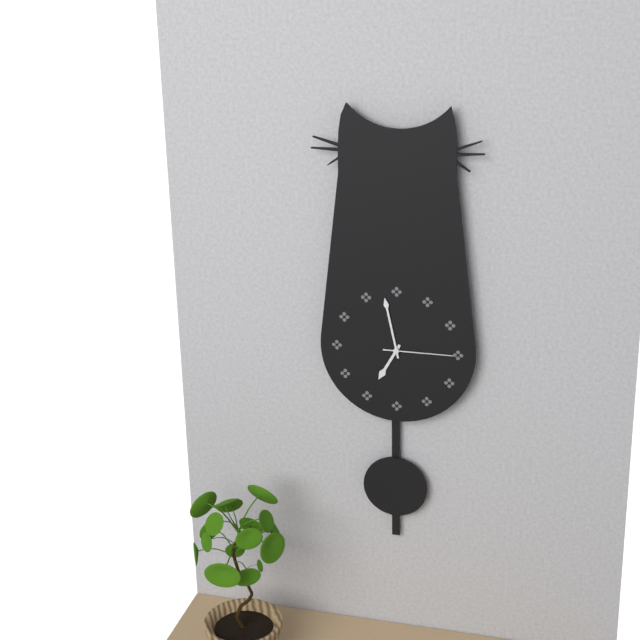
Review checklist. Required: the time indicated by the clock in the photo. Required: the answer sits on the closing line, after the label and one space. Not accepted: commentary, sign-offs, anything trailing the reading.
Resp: 6:58:15
